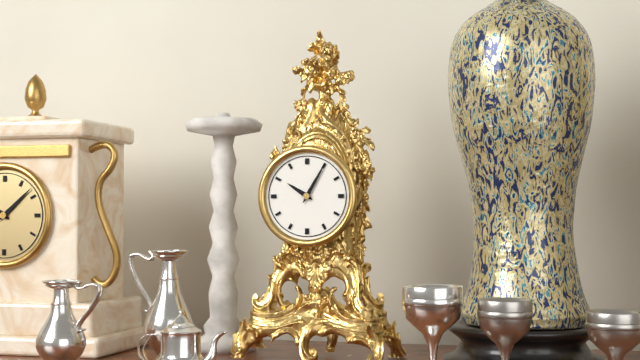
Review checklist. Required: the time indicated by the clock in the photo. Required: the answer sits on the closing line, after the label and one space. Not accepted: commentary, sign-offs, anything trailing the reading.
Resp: 10:05
